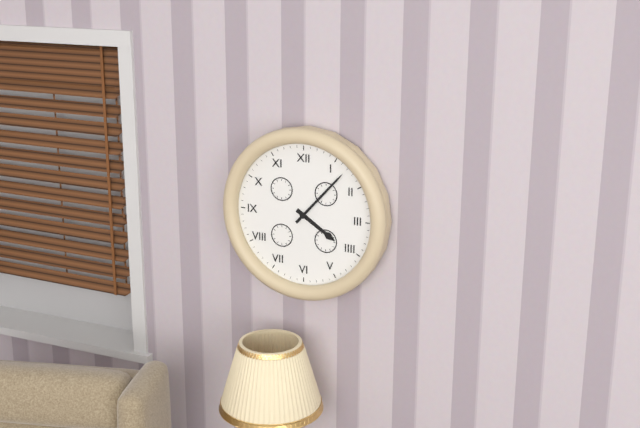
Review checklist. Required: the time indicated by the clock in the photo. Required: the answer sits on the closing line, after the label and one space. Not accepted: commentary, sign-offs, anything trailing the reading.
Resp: 4:07
